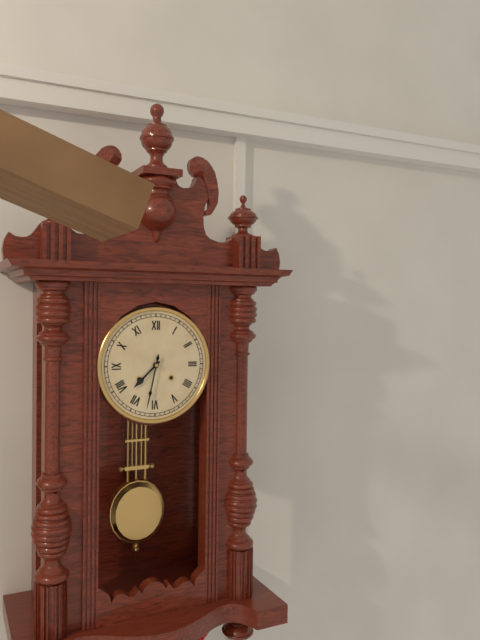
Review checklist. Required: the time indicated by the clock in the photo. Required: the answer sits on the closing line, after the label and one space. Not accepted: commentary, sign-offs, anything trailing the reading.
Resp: 7:32
